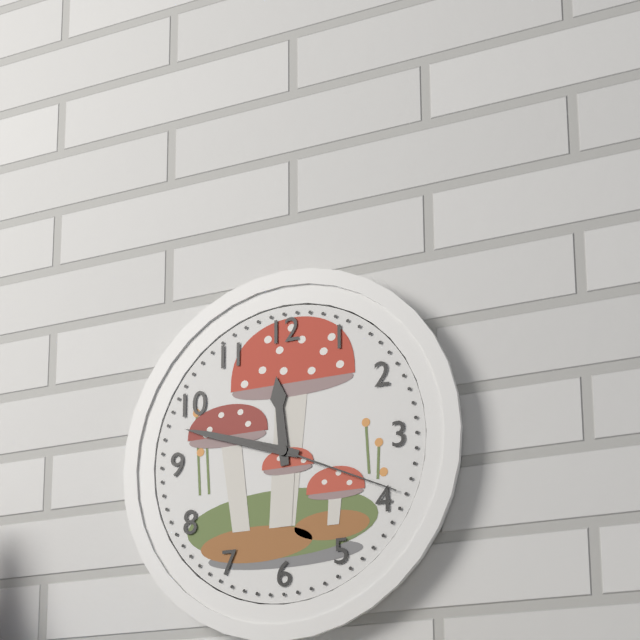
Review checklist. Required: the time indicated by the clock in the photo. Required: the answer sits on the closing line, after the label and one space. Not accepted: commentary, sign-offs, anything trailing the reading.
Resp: 11:48:19
